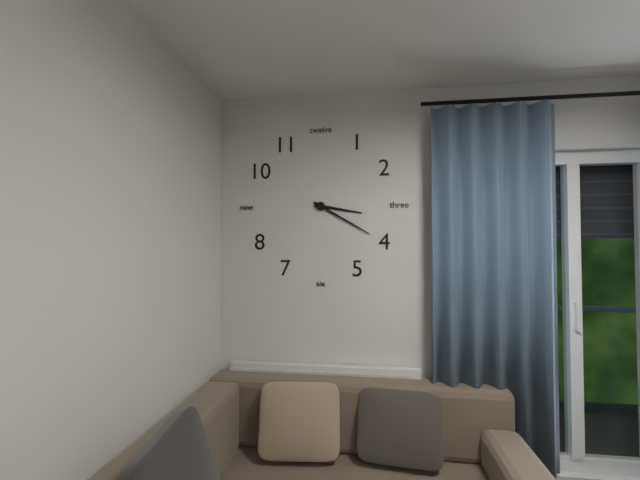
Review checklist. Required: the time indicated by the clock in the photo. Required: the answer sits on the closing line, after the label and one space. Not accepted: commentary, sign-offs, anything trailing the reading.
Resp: 3:20
